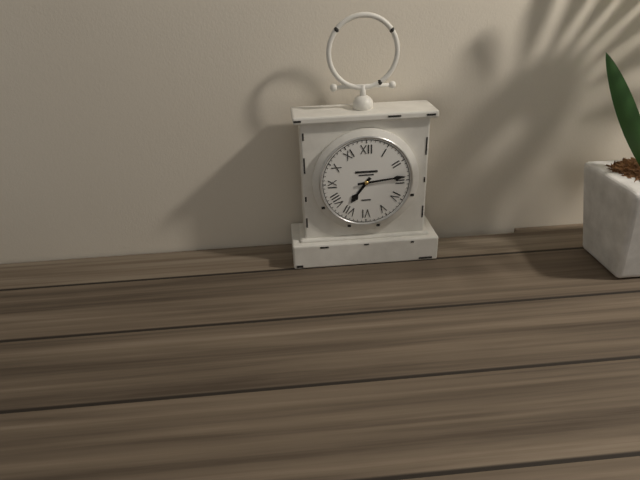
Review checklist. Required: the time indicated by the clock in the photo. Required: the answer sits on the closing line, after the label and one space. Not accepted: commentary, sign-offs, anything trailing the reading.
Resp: 7:14
